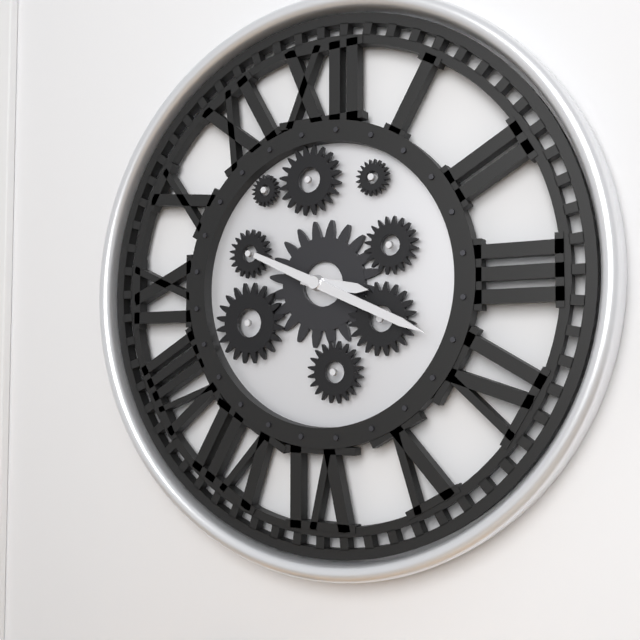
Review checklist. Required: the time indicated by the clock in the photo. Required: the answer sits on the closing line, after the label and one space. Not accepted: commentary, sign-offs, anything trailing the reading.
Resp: 3:19
